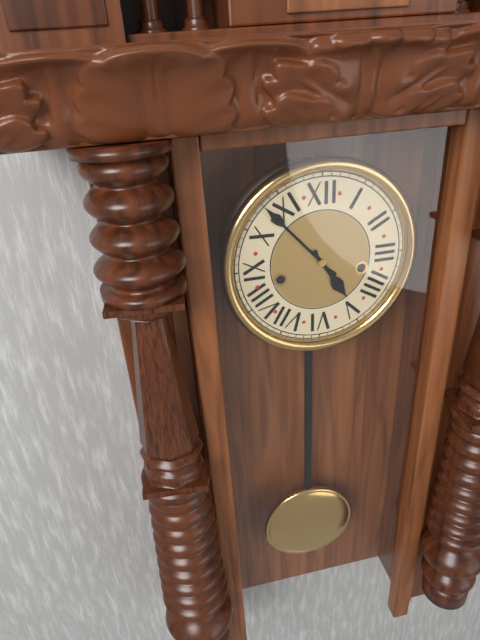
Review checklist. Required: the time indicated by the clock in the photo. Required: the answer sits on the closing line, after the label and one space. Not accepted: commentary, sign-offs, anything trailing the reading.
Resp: 4:53
